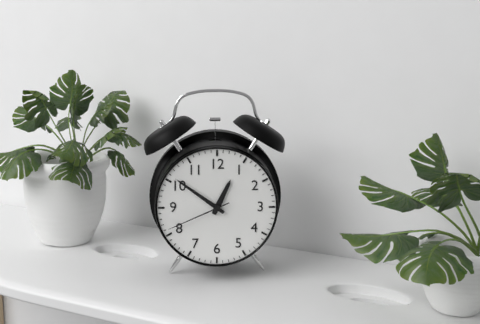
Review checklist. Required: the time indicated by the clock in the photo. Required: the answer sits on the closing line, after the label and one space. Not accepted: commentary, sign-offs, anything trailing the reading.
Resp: 12:51:41
